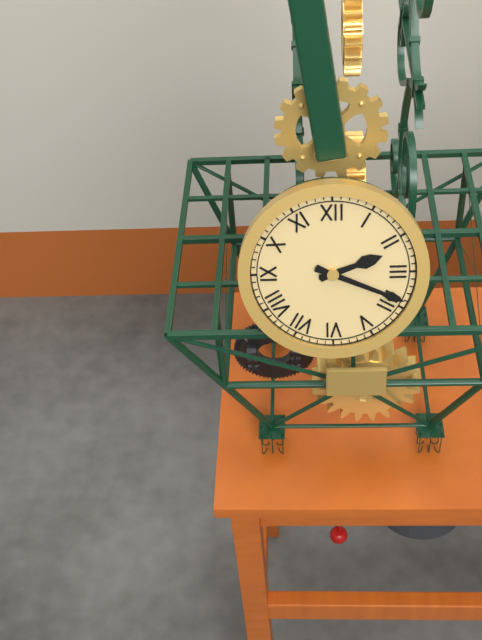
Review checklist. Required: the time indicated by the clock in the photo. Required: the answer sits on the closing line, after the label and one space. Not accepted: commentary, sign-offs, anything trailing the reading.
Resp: 2:19
